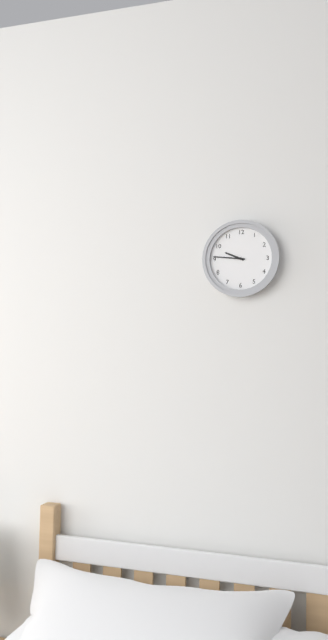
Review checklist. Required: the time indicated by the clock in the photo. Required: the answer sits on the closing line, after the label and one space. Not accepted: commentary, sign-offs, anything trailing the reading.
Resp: 9:46
